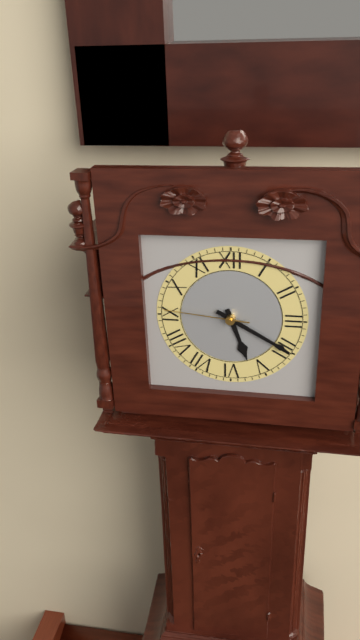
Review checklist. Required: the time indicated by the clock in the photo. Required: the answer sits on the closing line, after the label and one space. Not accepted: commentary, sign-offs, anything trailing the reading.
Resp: 5:20:46
